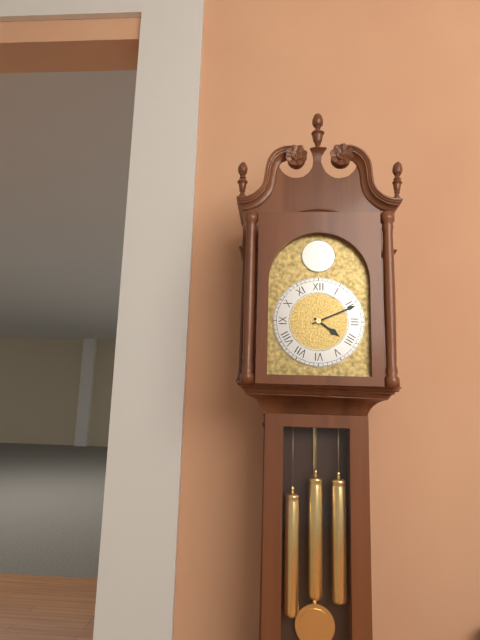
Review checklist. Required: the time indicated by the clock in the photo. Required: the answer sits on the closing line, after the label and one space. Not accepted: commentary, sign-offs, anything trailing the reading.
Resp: 4:11
